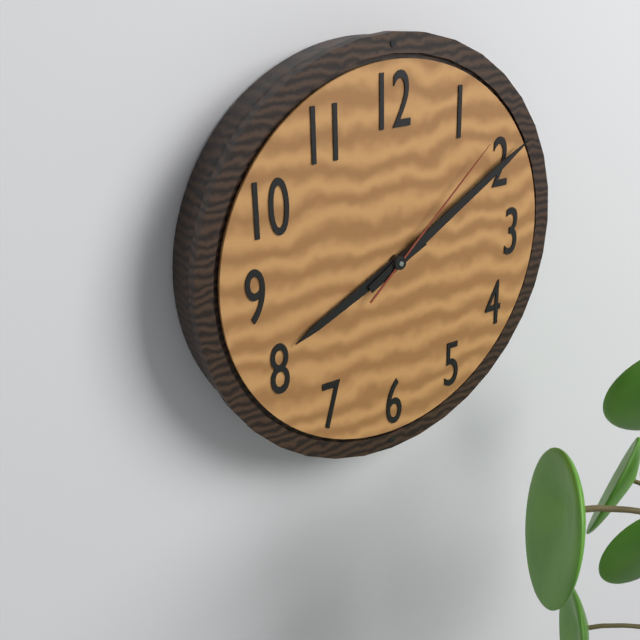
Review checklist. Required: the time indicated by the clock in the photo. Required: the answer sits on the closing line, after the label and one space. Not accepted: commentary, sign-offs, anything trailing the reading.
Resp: 8:10:08
